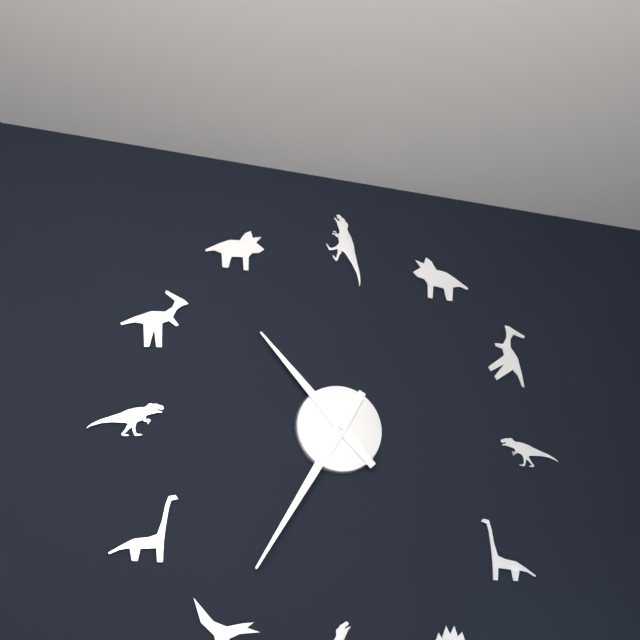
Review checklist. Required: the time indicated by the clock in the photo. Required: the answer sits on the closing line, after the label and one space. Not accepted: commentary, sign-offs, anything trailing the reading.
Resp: 10:35
